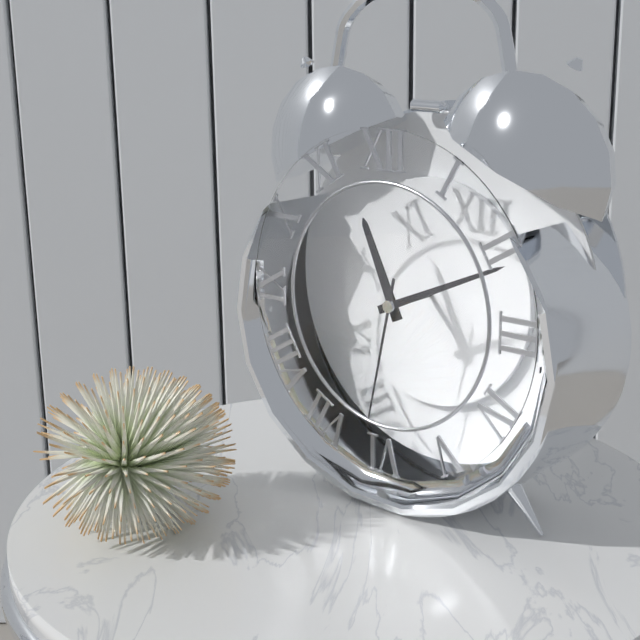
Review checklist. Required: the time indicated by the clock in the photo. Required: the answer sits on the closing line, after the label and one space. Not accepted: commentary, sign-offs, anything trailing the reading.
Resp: 11:11:32
